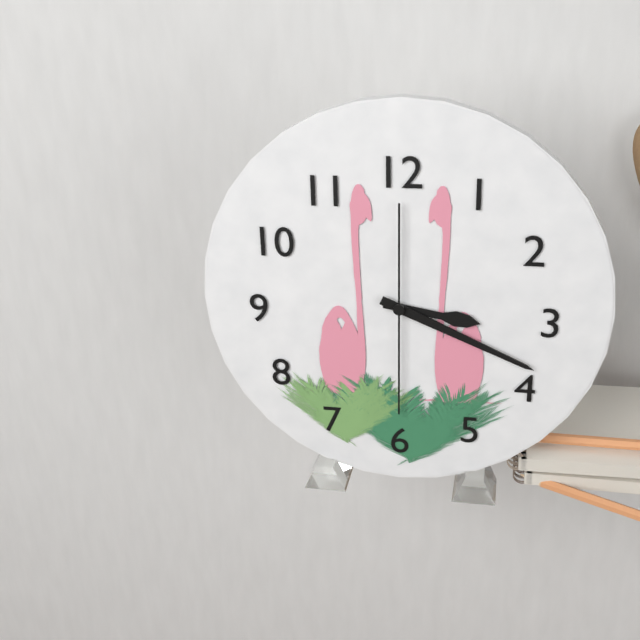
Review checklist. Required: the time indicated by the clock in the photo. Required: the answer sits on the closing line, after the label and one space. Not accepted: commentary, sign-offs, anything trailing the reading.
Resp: 3:19:30
